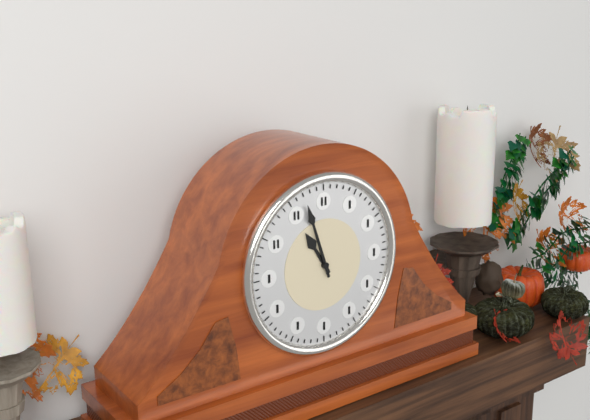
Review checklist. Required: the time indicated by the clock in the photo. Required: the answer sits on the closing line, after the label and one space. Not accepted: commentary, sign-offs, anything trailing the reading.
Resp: 10:57
